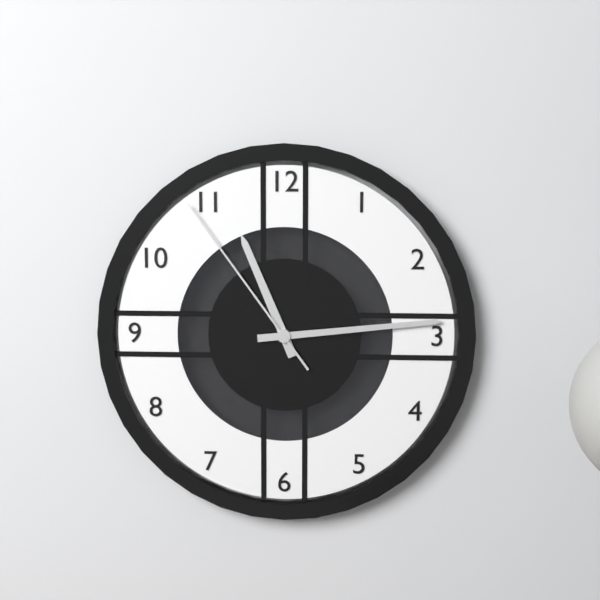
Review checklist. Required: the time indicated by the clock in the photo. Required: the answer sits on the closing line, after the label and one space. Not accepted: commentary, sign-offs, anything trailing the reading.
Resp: 11:14:54
